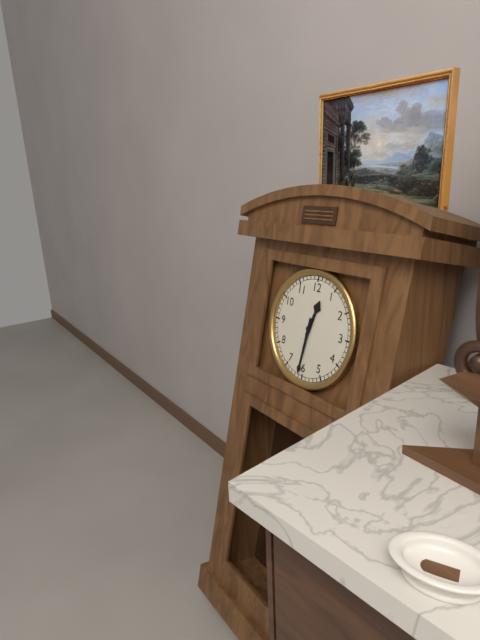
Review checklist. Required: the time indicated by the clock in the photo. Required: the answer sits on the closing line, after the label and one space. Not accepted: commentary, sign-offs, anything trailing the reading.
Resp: 12:31
